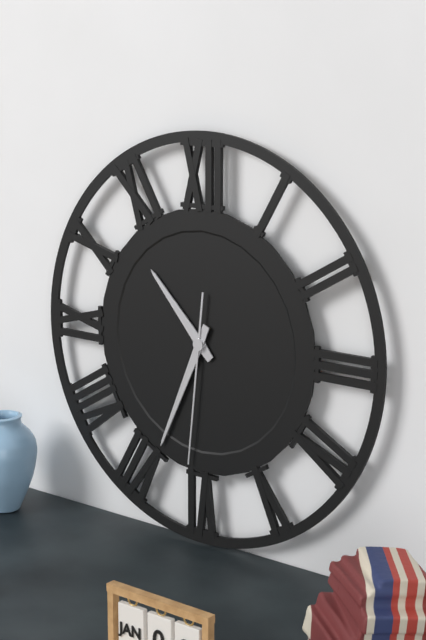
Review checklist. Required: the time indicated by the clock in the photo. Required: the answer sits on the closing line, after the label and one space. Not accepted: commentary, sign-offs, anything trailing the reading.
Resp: 10:34:31
